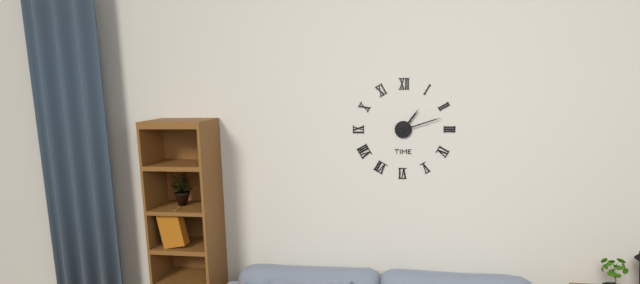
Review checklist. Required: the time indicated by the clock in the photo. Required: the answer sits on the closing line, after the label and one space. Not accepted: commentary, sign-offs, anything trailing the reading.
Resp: 1:12
